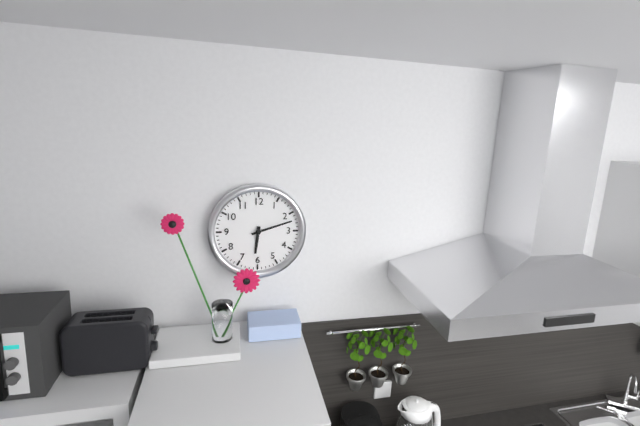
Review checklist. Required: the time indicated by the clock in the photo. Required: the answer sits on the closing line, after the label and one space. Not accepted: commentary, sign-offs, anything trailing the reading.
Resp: 6:12
